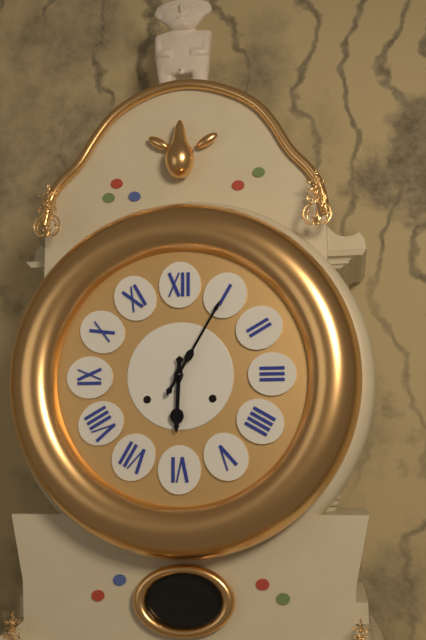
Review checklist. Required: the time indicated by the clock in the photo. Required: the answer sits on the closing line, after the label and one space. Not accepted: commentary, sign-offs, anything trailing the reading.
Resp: 6:05
